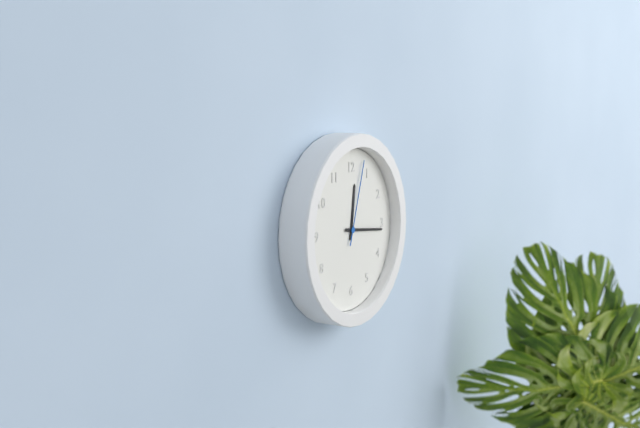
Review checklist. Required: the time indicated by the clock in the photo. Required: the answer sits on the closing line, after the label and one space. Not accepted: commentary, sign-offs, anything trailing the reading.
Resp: 12:16:03
